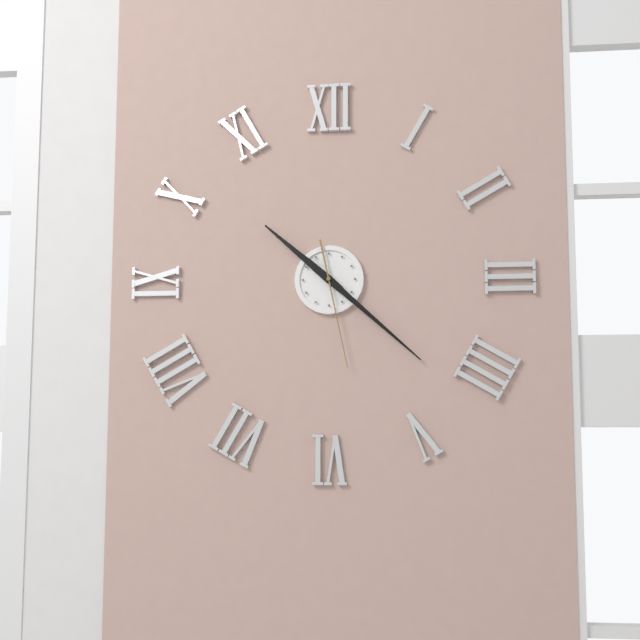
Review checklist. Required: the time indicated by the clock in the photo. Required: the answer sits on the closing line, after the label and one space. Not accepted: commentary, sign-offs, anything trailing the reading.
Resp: 10:22:28
